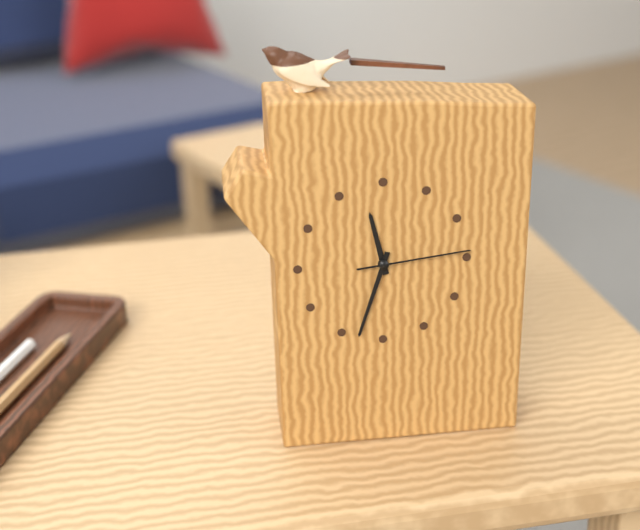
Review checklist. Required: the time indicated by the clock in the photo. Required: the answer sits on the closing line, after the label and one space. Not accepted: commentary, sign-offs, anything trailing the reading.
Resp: 11:33:14
